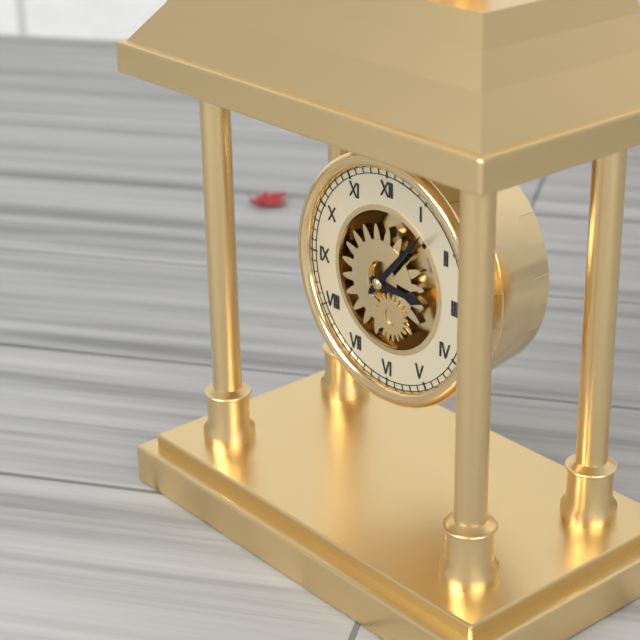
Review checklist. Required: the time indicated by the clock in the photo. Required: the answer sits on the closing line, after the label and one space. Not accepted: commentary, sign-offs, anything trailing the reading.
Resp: 3:07
